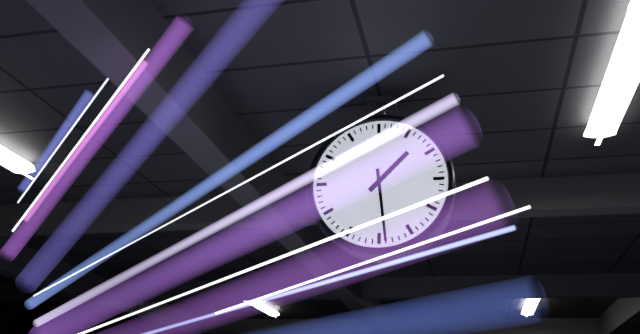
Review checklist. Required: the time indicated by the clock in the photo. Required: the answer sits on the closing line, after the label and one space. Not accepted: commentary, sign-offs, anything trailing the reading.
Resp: 1:29
